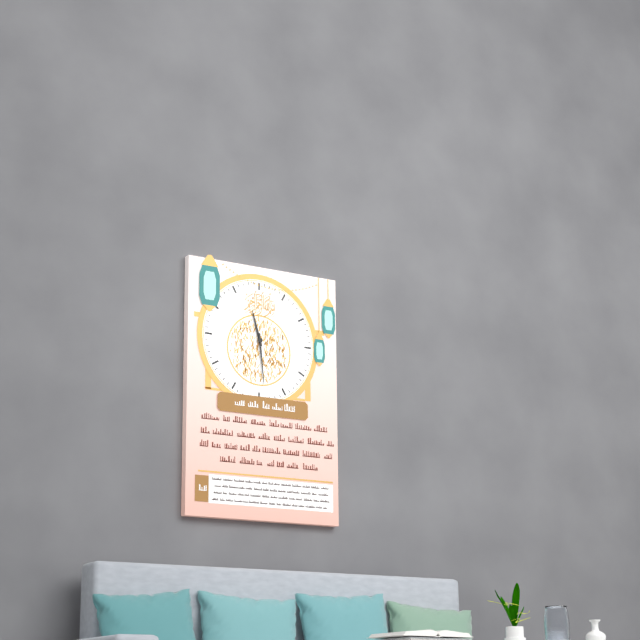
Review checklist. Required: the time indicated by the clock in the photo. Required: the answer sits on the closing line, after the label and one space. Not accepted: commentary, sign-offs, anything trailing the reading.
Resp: 11:29
